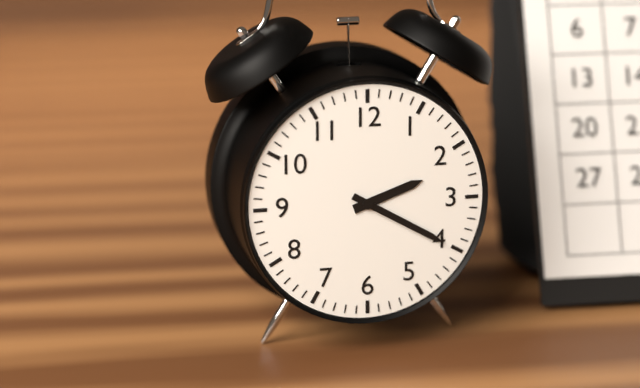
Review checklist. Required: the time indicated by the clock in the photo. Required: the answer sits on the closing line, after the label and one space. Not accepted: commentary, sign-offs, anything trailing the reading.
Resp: 2:20
